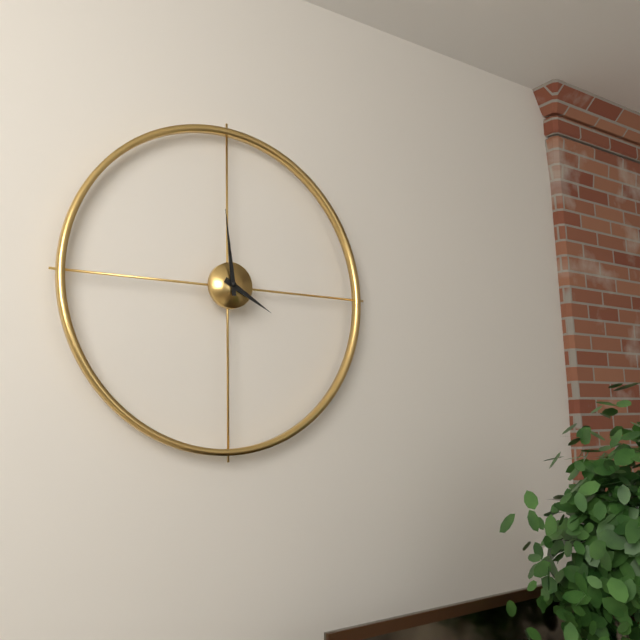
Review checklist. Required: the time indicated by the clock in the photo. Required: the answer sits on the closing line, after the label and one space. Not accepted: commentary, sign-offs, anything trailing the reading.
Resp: 3:59
